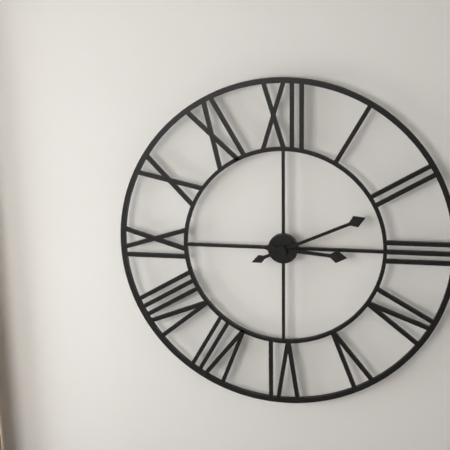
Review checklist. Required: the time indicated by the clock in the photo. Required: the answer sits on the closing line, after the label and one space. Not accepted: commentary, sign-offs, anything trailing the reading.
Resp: 3:11
